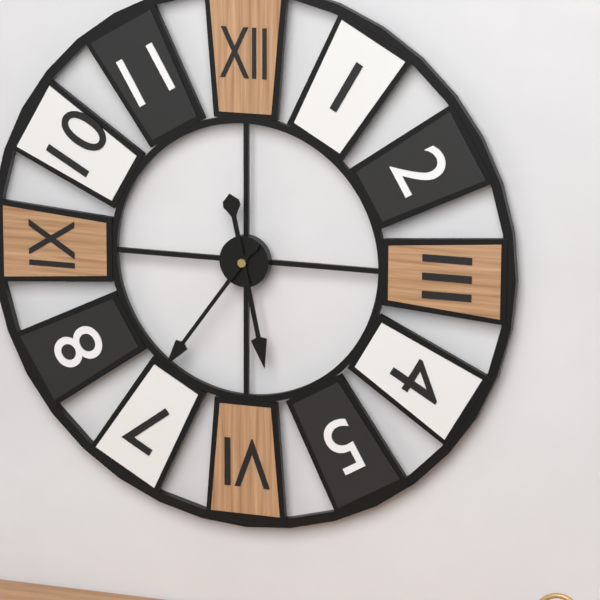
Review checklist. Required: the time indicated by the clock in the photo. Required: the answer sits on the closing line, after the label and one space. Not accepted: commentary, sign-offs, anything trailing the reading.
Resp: 5:36
